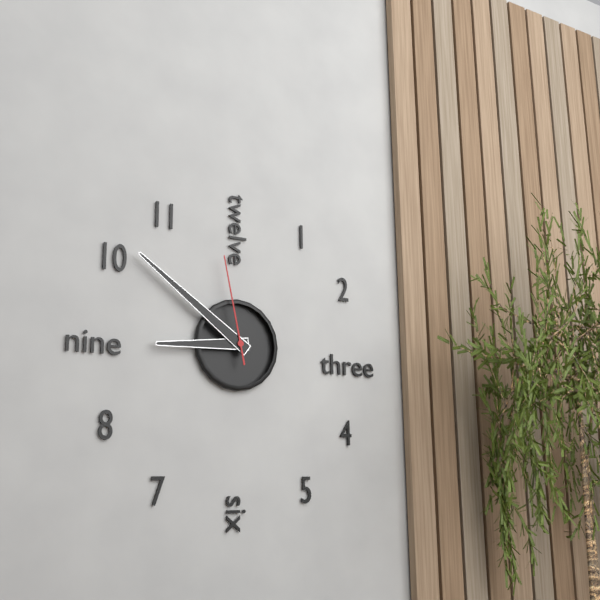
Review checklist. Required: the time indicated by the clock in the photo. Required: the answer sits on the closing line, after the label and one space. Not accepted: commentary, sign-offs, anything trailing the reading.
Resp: 8:51:58
